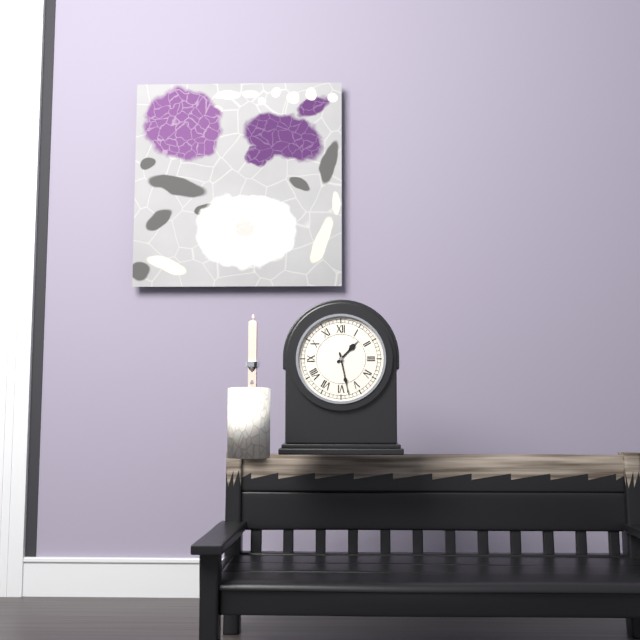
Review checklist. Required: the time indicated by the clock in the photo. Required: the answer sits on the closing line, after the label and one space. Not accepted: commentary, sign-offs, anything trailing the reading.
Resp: 1:28
